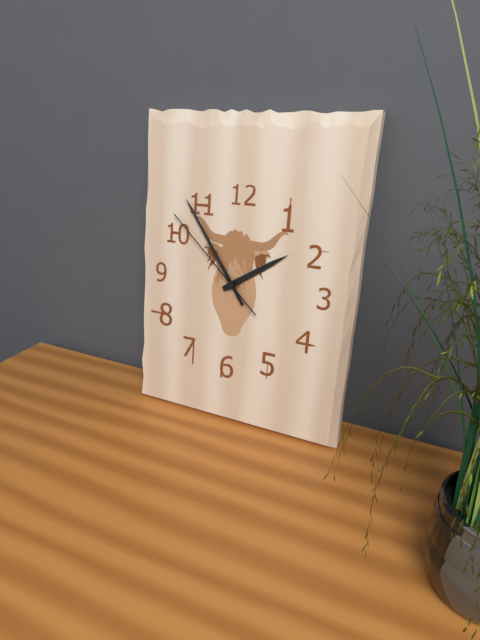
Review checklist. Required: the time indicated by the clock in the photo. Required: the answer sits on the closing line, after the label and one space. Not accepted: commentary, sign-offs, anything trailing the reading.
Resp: 1:54:52
